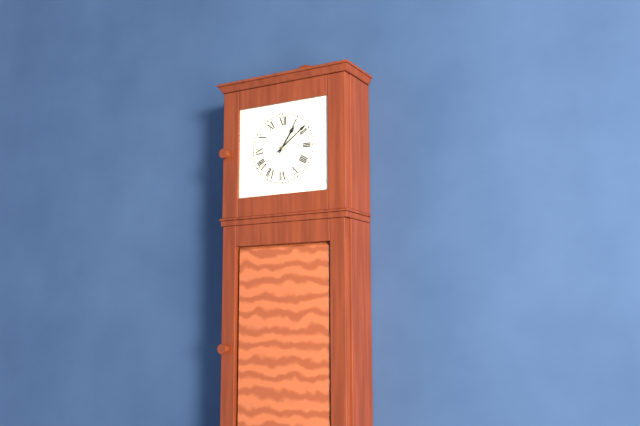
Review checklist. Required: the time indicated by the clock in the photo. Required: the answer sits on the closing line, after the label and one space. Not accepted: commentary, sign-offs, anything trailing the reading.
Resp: 1:09
